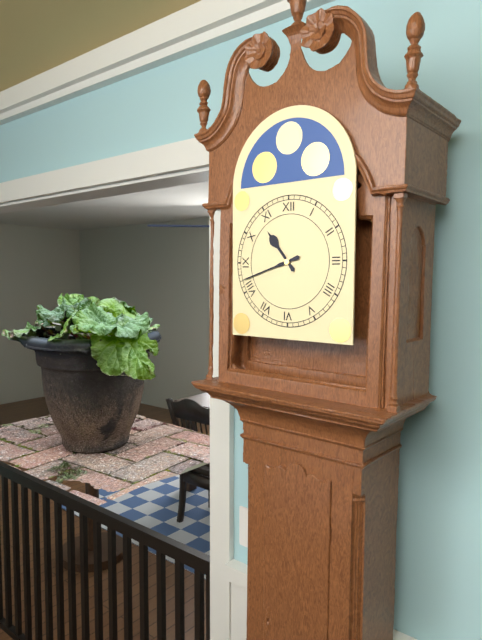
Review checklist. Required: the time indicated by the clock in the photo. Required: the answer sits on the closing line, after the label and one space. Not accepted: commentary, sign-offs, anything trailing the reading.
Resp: 10:42
